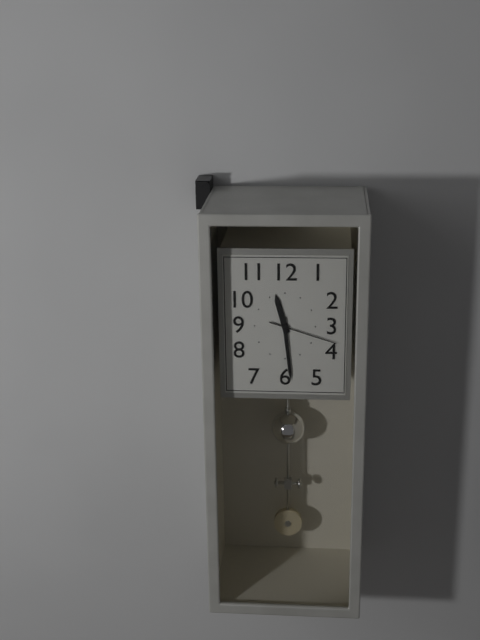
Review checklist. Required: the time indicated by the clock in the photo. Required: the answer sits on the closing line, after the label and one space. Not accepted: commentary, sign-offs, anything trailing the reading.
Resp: 11:29:18
